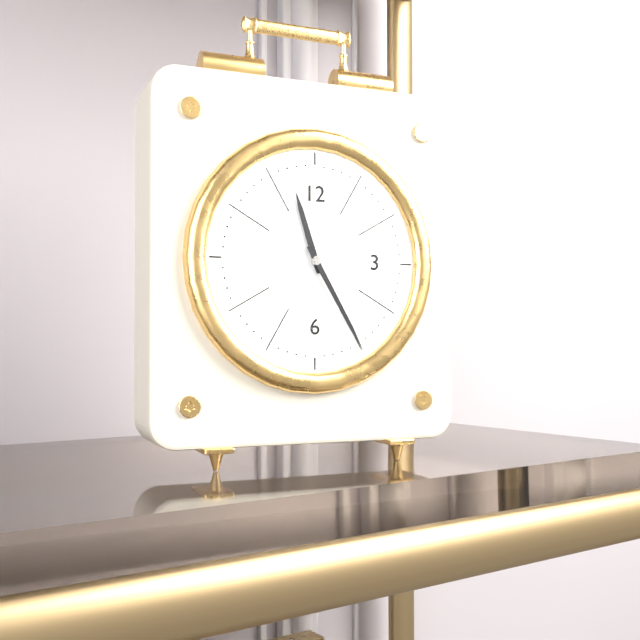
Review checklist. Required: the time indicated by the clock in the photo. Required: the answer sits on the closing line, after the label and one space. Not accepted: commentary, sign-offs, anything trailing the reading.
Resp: 11:25
